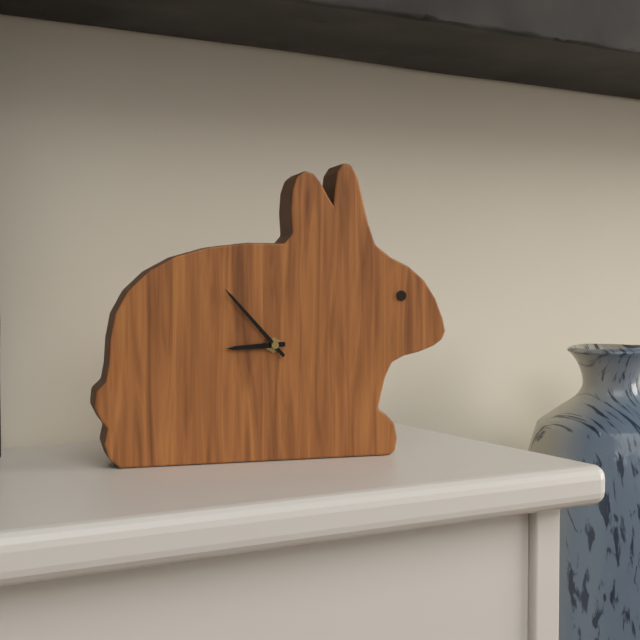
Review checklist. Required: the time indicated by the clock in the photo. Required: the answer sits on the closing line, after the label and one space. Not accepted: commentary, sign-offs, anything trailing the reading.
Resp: 8:53
